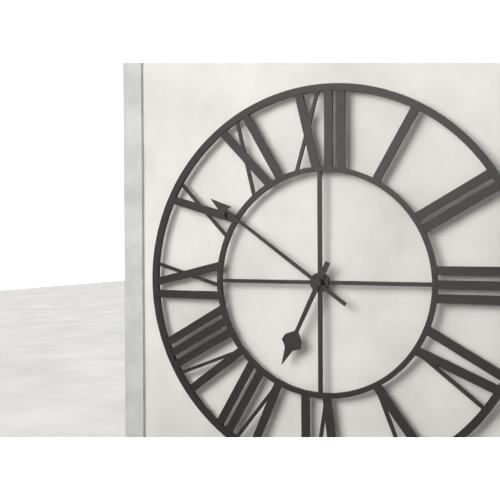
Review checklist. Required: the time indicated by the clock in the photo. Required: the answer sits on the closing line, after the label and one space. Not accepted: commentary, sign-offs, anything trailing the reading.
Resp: 6:51
